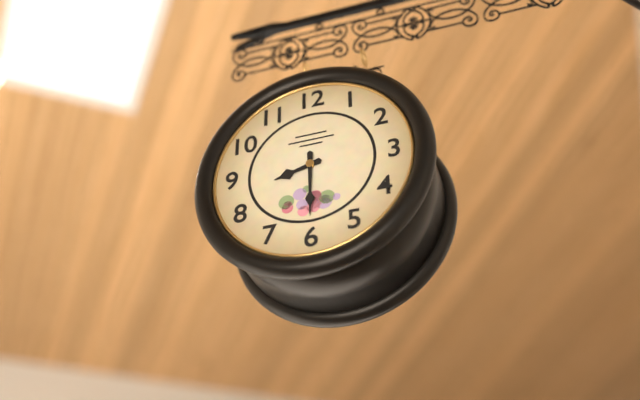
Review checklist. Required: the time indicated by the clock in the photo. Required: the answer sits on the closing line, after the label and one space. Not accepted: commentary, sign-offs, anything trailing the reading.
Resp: 8:30
